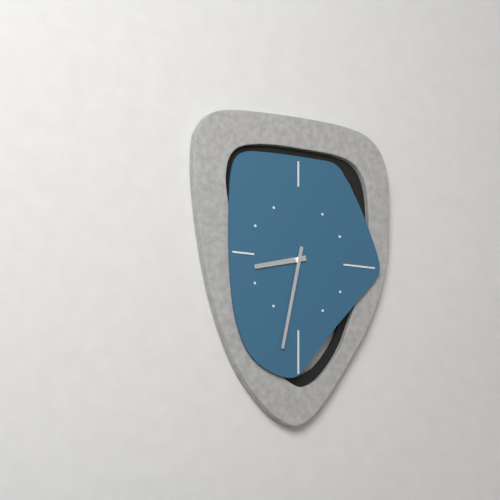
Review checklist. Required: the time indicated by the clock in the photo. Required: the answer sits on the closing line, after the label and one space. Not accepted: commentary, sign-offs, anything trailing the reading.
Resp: 8:32
